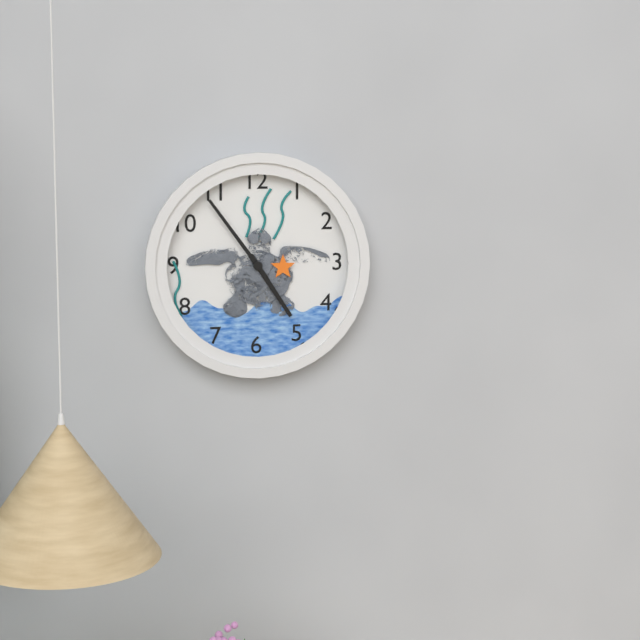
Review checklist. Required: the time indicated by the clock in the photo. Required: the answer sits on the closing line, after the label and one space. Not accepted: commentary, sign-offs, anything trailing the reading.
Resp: 4:54
